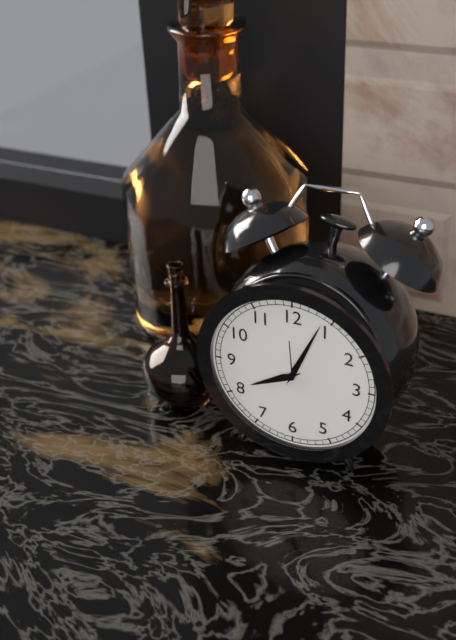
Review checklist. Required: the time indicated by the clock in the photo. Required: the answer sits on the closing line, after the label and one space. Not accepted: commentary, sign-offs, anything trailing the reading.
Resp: 8:04
